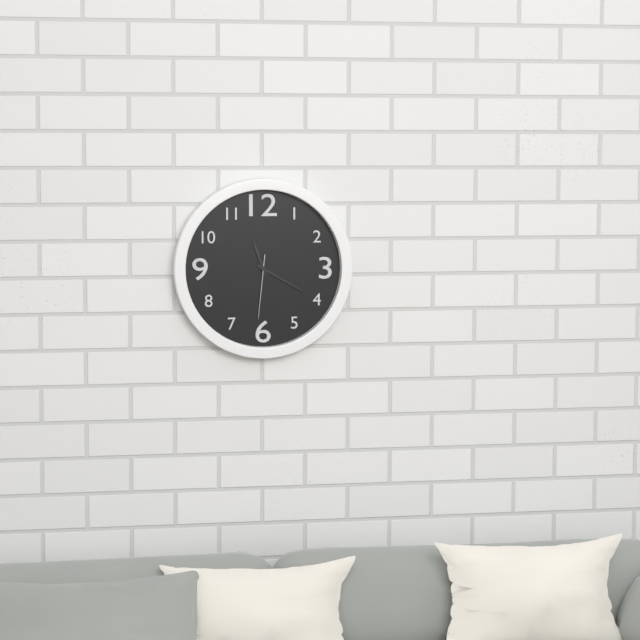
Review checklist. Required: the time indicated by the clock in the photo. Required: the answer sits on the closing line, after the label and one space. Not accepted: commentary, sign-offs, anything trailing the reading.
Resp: 11:20:31
